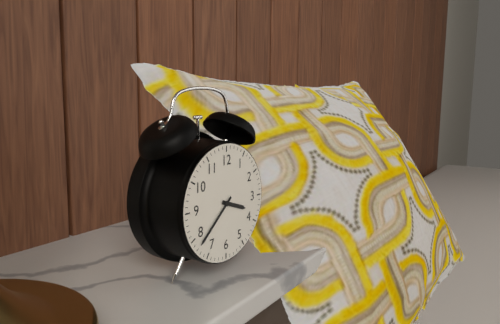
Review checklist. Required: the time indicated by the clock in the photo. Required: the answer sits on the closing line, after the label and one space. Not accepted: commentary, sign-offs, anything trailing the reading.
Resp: 3:38
